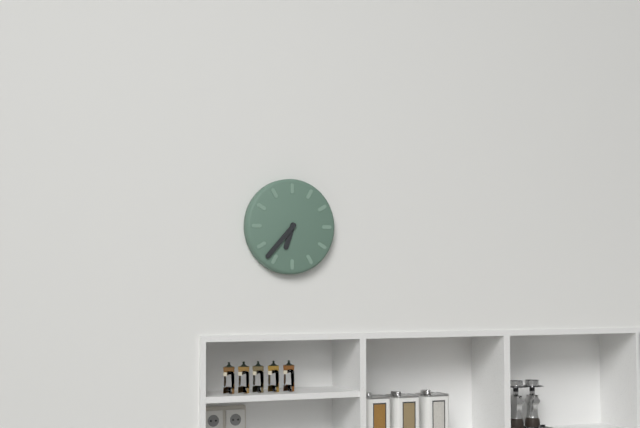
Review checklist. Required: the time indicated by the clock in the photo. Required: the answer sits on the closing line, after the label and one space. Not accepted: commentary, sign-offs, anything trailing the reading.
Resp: 6:37
